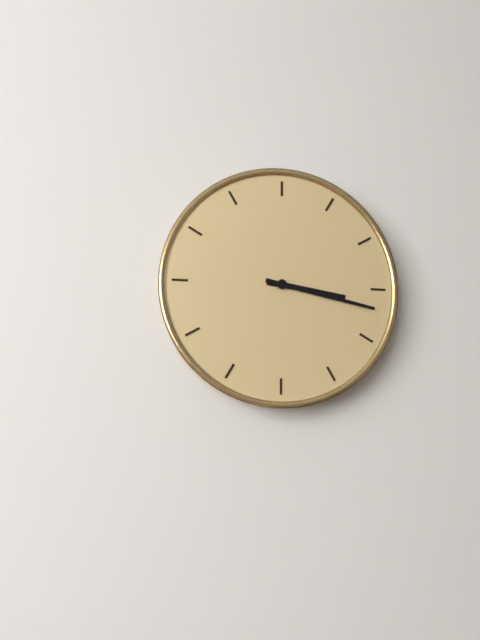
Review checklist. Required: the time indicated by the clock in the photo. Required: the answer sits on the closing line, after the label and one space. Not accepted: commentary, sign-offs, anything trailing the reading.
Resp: 3:17
